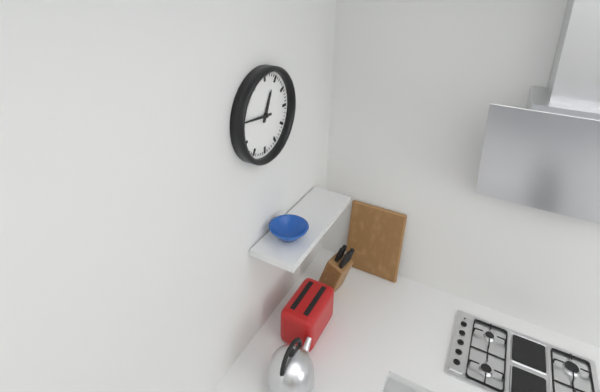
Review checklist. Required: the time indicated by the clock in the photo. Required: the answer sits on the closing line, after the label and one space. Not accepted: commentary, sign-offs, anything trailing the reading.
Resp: 12:46
